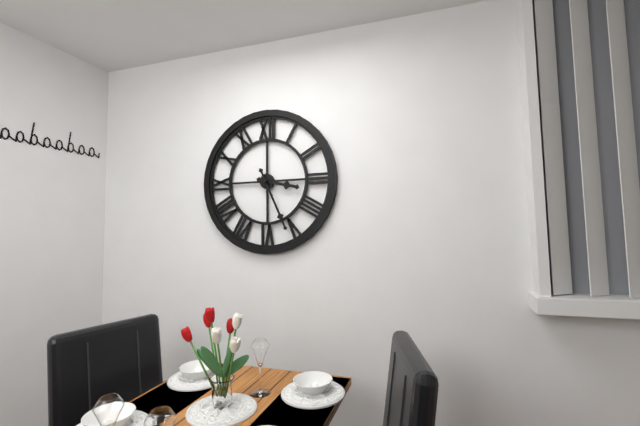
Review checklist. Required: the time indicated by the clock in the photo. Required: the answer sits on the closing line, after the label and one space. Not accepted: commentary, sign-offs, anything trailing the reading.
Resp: 3:26
